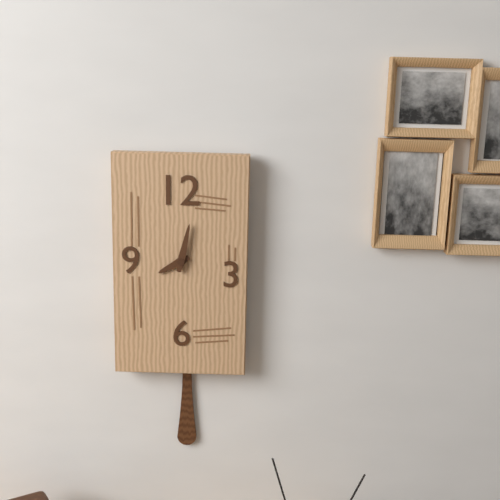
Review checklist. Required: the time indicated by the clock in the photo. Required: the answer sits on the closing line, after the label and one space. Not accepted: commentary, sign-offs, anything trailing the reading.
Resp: 8:02
